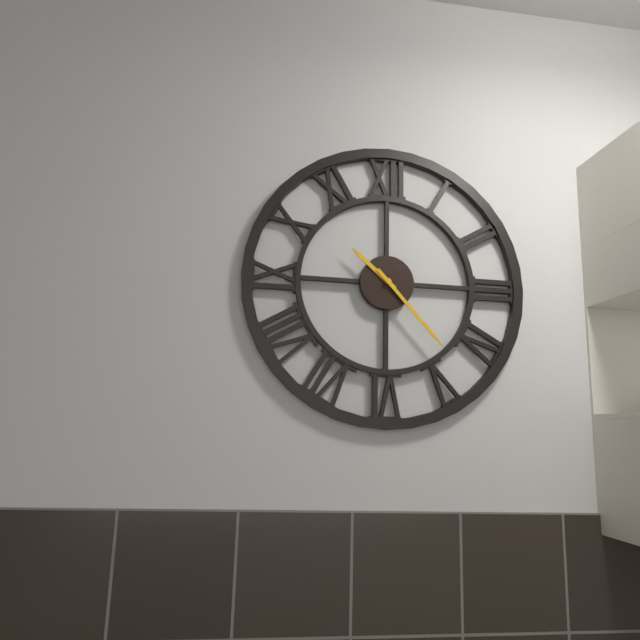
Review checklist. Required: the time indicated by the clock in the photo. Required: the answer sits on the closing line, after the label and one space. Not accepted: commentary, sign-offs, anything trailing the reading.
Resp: 10:23
